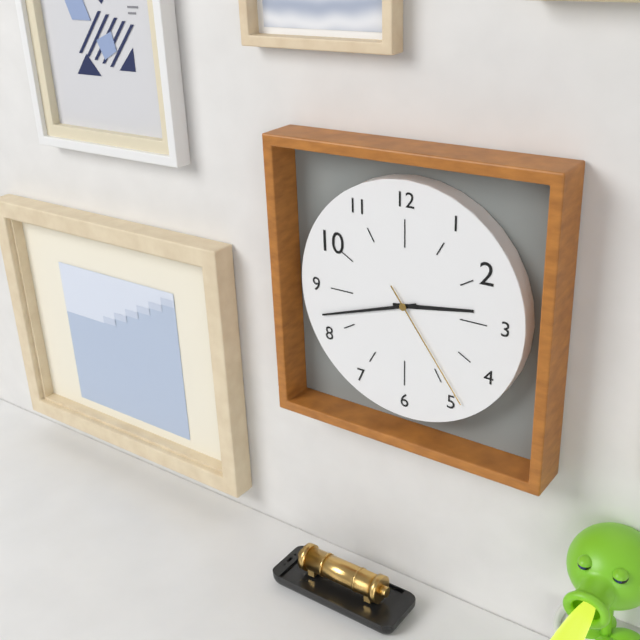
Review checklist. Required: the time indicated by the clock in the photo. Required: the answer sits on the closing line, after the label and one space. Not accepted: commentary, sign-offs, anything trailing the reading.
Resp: 2:42:24
